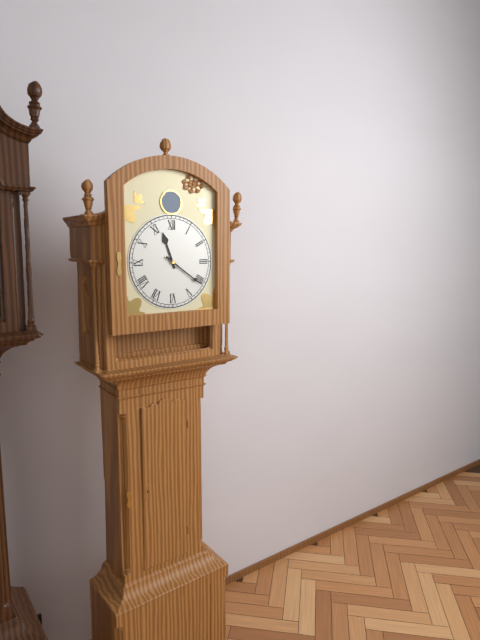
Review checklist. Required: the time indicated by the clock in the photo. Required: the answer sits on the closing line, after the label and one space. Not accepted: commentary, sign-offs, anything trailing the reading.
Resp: 11:21
